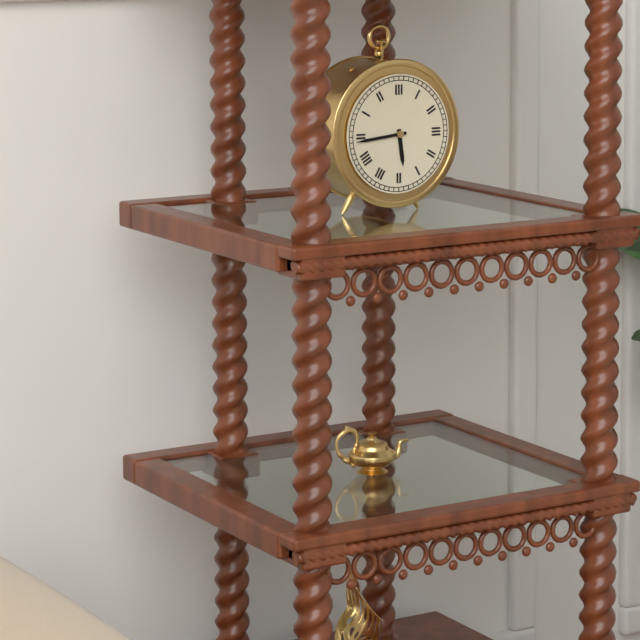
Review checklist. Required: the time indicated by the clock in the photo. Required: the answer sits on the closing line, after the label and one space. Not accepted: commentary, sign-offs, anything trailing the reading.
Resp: 5:44
